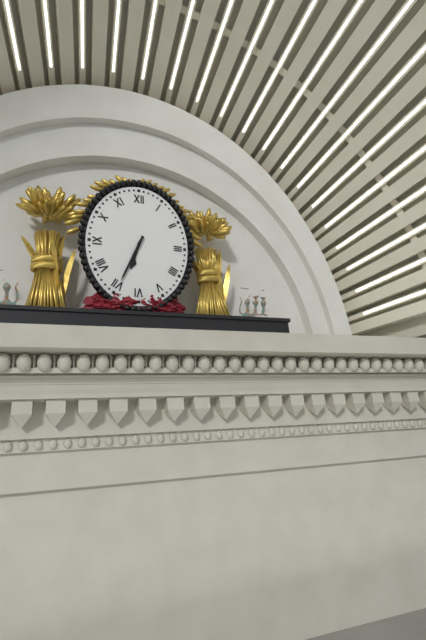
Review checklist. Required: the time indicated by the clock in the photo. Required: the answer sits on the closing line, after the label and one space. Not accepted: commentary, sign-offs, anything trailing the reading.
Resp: 6:34
